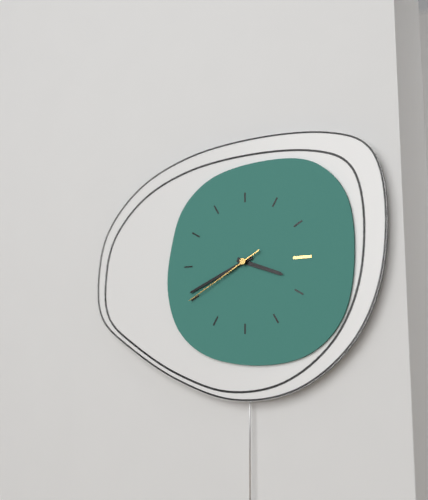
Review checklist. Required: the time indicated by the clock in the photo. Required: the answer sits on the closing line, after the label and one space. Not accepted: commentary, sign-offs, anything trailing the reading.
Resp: 3:41:40
